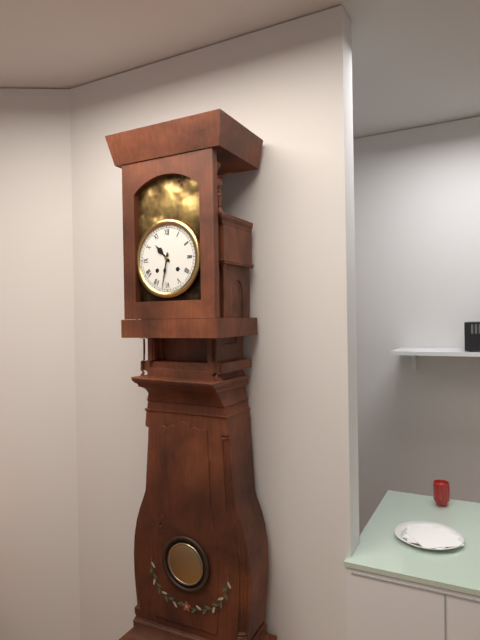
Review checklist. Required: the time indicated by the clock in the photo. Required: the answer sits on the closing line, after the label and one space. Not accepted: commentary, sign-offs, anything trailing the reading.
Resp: 10:32
